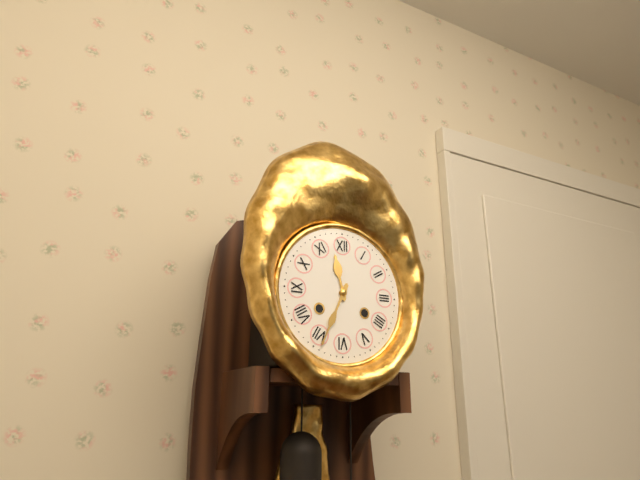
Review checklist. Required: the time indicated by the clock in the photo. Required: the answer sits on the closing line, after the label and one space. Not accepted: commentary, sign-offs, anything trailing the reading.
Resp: 11:34
